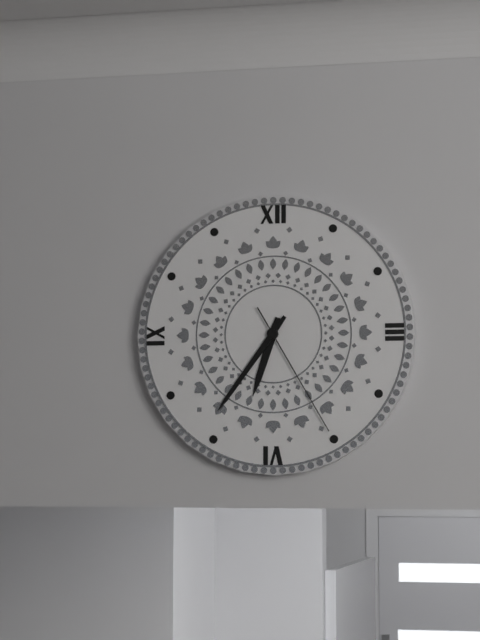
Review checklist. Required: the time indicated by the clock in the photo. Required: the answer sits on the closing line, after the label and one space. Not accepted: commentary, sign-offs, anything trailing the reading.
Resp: 6:36:25
